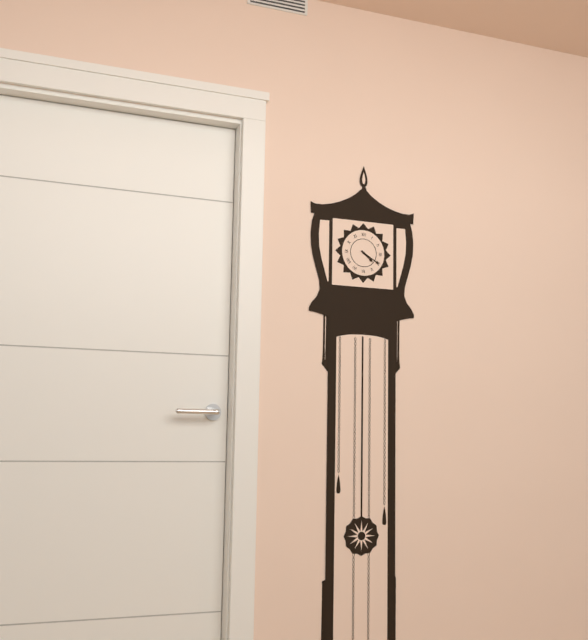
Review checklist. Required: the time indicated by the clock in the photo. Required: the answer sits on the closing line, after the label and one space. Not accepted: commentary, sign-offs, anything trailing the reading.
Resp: 4:20
